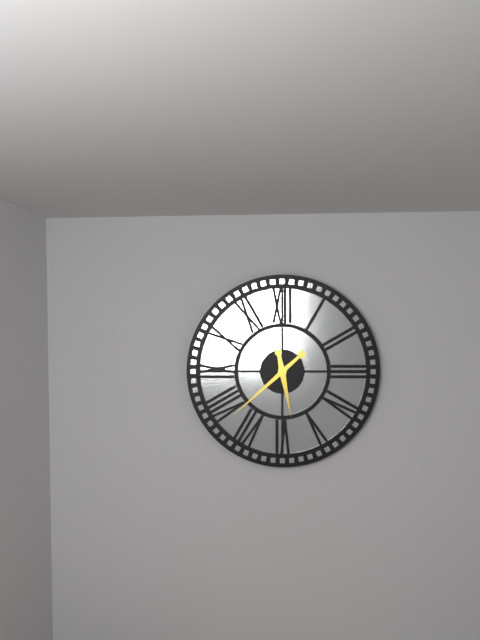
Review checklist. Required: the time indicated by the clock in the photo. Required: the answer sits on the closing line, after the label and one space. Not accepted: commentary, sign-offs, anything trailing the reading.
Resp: 5:38
